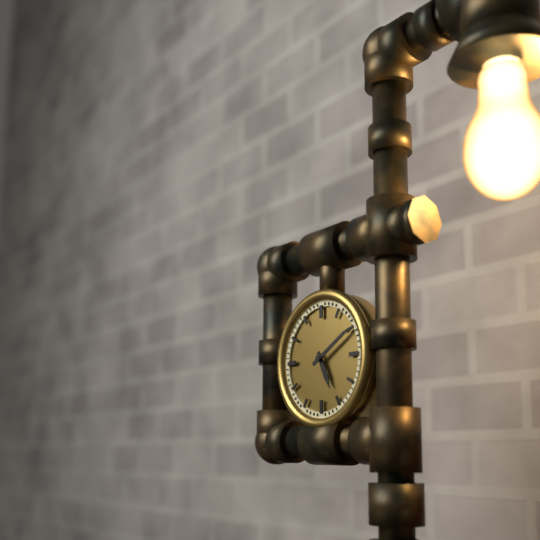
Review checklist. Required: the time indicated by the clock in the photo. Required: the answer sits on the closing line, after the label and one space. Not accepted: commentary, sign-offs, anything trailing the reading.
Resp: 5:10
